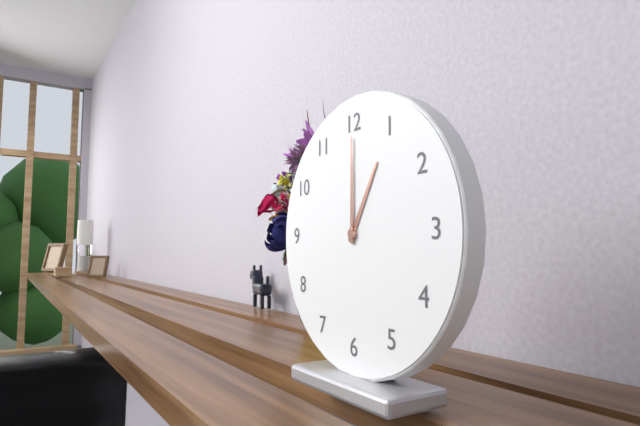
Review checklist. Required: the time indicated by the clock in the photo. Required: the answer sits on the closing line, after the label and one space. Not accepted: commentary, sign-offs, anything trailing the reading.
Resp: 1:00
